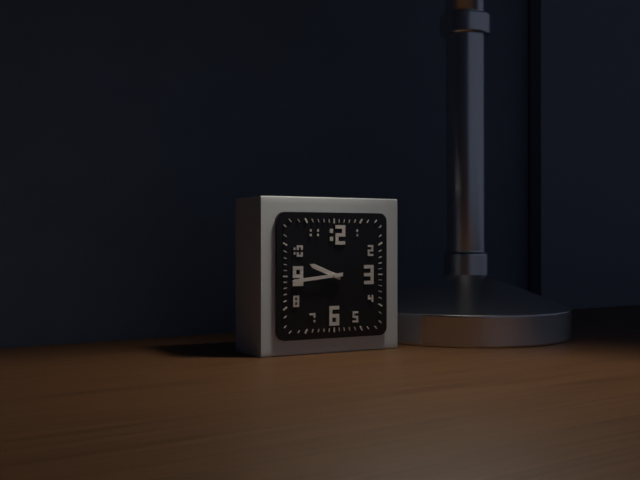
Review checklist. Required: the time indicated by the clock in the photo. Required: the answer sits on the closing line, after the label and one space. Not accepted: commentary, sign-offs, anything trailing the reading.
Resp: 9:44
